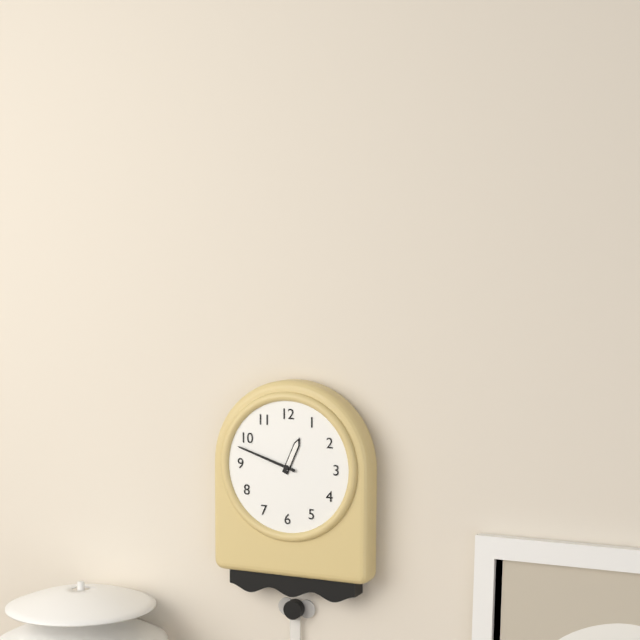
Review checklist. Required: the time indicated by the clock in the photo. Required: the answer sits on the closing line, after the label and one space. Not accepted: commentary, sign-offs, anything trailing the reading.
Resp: 12:48
